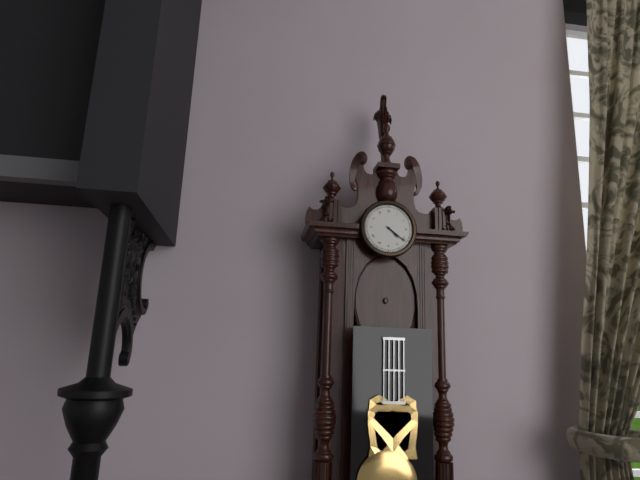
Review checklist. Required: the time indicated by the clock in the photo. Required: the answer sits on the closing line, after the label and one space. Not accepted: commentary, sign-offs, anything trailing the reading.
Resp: 4:21
